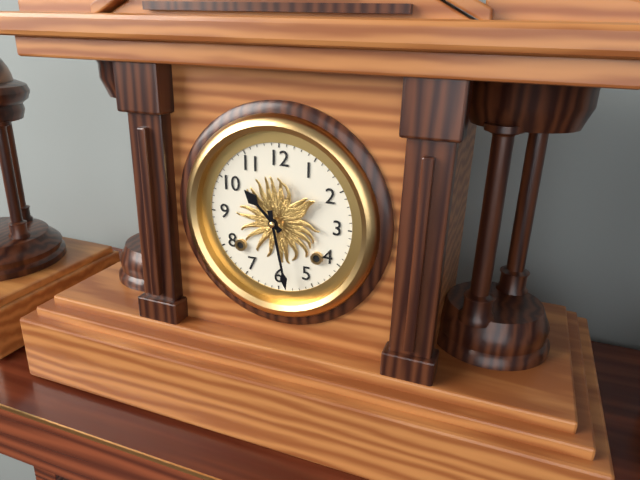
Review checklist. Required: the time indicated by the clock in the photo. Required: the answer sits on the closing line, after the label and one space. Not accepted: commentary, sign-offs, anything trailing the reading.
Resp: 10:28
